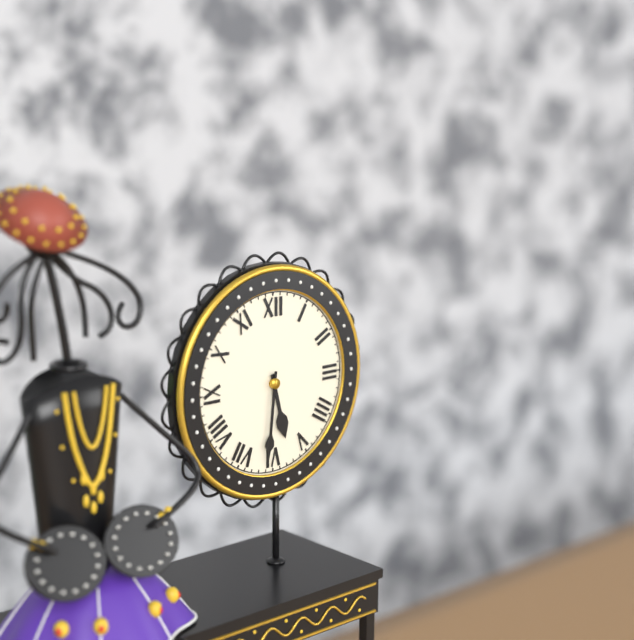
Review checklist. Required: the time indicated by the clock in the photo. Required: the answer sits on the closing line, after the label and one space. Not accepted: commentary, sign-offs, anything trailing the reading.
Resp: 5:31
